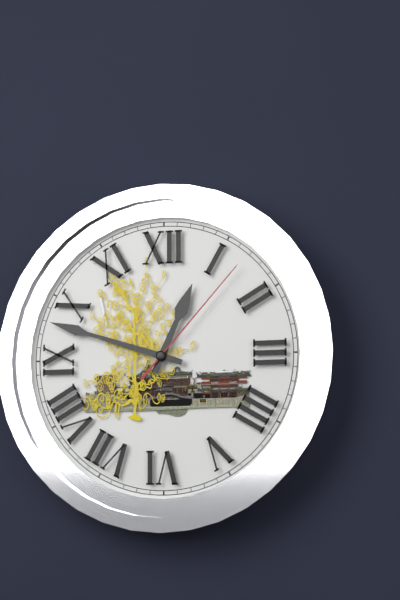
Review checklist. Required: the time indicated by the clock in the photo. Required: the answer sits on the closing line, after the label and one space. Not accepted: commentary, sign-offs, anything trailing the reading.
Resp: 12:48:07
